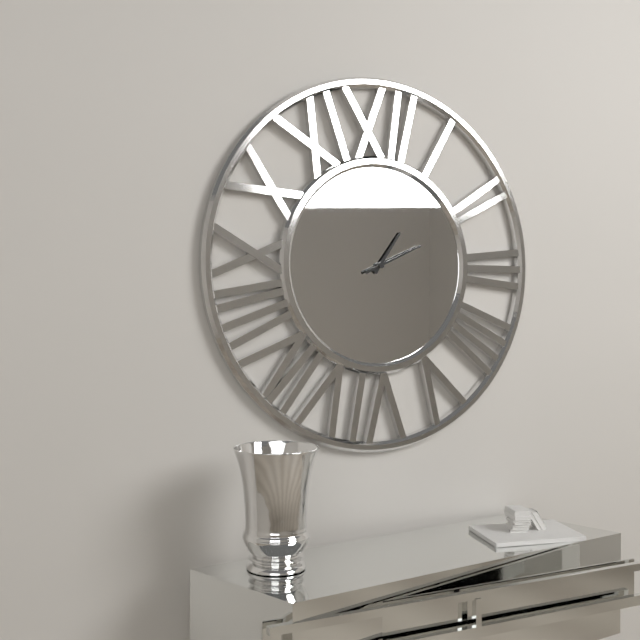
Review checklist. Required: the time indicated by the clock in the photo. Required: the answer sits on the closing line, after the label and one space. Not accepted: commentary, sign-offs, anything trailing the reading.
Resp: 1:11
